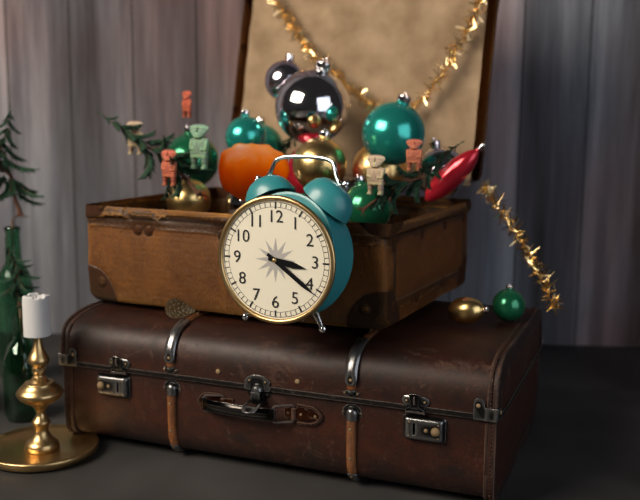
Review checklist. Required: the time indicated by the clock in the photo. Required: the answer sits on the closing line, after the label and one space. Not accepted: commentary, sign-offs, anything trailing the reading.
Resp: 3:21
